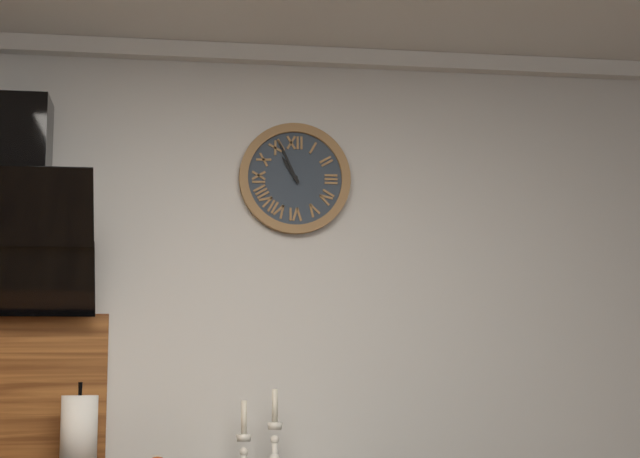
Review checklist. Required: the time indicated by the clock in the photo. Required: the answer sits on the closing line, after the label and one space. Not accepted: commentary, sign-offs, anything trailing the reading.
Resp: 10:56
